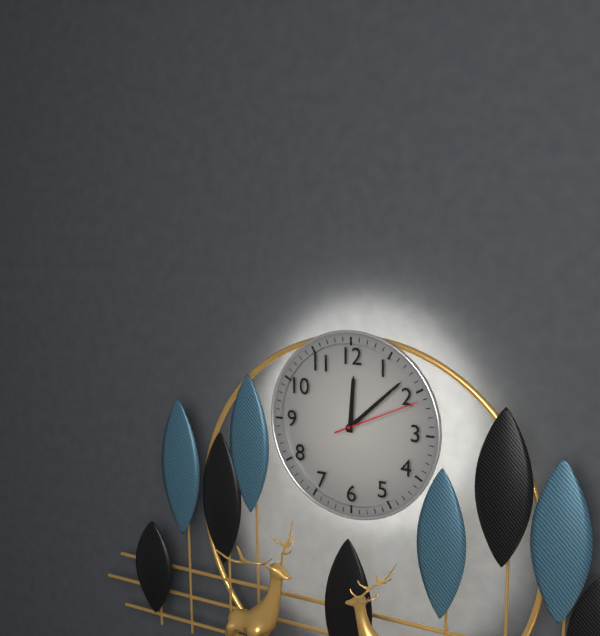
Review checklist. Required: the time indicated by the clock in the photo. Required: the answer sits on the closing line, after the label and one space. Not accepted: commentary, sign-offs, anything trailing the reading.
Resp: 12:08:11
